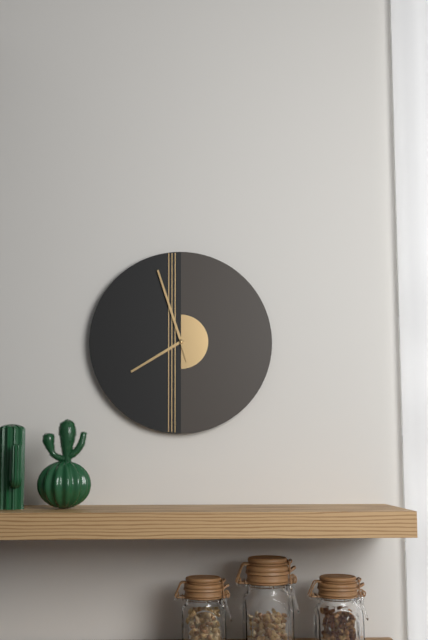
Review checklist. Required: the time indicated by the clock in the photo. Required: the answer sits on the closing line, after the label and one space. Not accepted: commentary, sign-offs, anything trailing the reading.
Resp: 7:57
